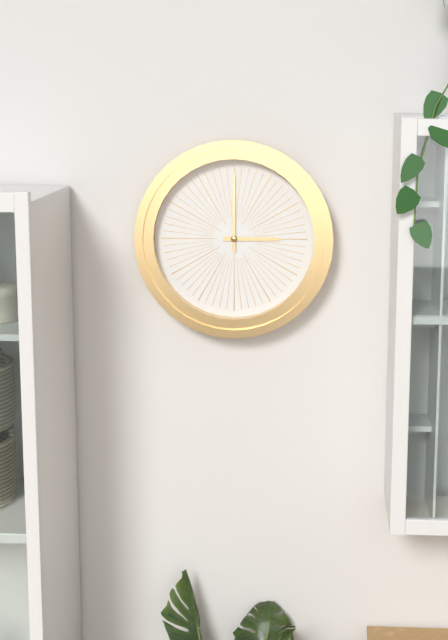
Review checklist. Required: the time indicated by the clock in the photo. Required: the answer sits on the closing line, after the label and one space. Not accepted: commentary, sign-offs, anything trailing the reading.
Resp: 3:00
